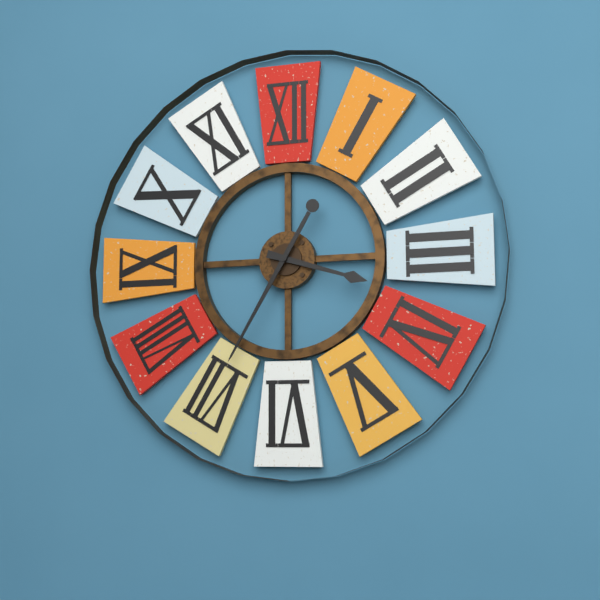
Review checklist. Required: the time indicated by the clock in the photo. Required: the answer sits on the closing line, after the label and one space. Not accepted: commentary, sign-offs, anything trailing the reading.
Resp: 3:35
